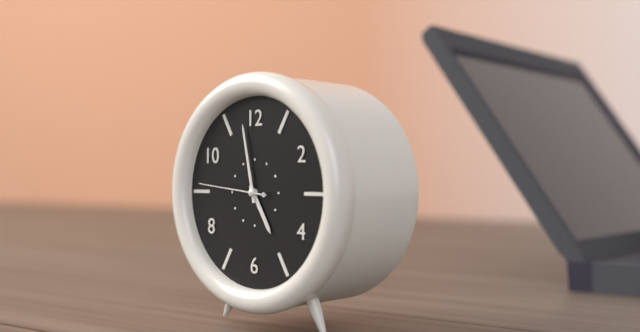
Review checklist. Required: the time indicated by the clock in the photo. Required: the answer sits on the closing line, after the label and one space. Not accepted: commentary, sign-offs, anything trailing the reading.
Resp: 4:58:46
